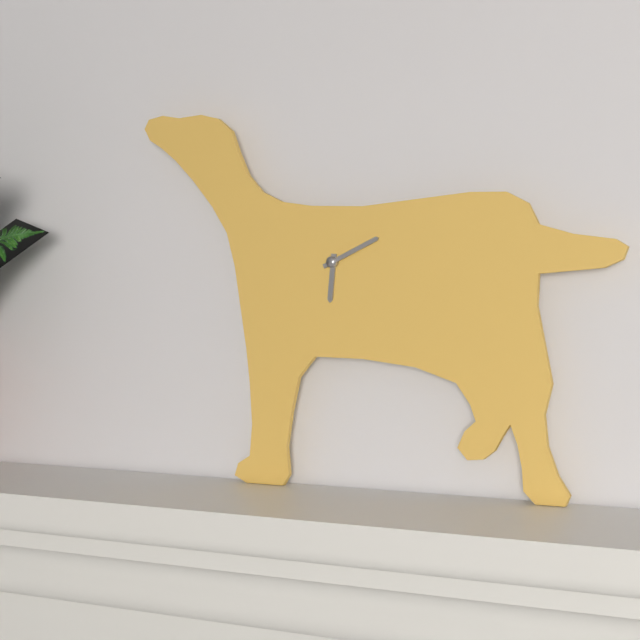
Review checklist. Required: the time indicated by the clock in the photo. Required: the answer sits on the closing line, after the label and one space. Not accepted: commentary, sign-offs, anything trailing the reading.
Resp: 6:11
